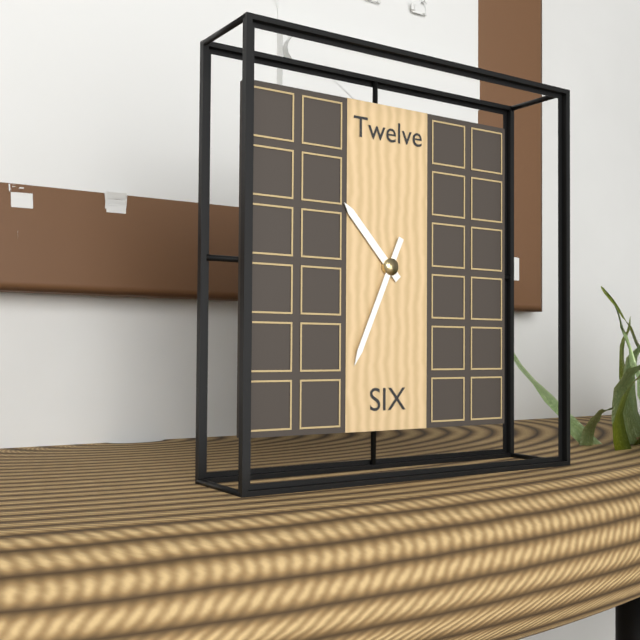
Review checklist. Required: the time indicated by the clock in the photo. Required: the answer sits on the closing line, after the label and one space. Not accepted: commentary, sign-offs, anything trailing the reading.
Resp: 10:34
